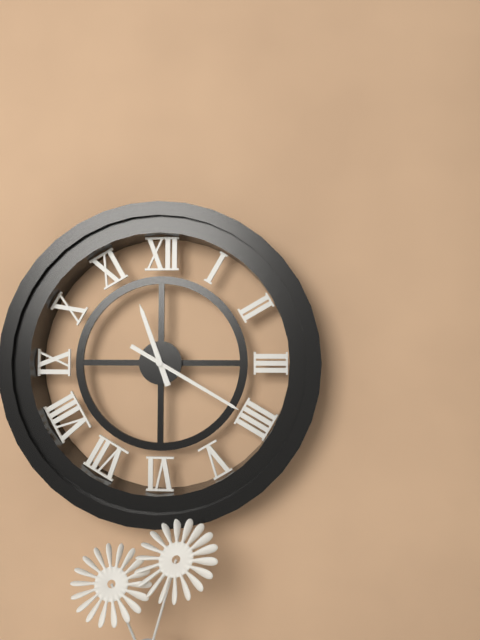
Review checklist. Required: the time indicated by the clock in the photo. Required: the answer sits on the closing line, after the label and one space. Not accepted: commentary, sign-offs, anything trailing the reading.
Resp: 11:20
